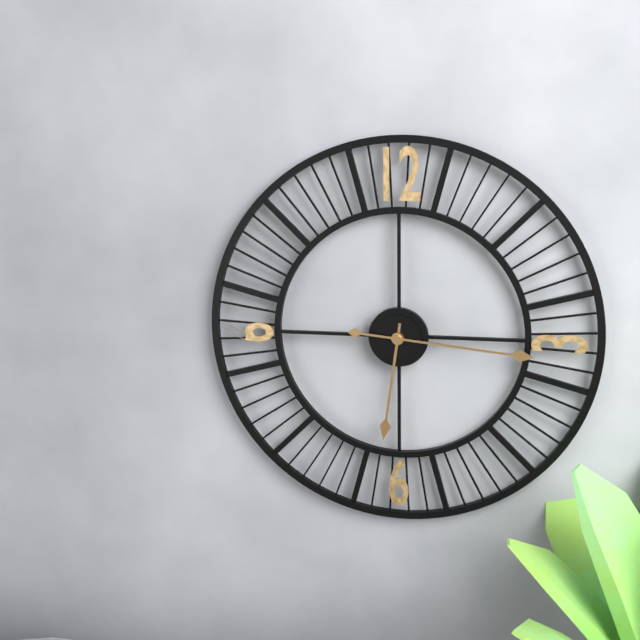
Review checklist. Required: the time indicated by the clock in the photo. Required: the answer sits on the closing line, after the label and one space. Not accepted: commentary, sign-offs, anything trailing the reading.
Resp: 6:16
